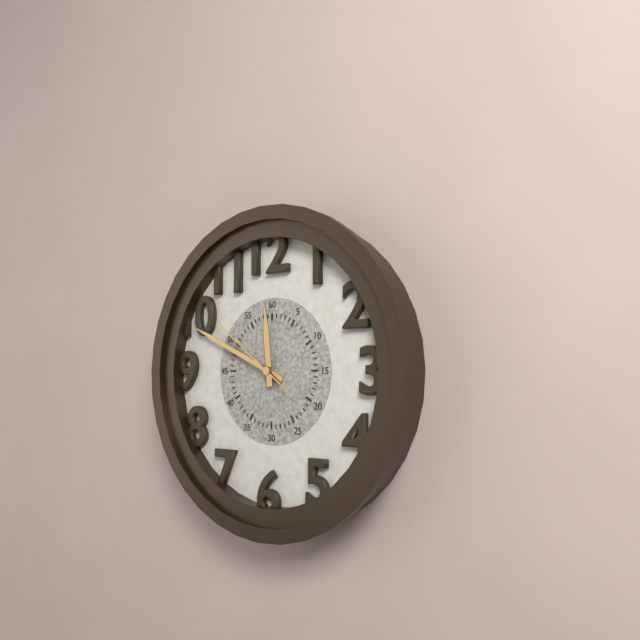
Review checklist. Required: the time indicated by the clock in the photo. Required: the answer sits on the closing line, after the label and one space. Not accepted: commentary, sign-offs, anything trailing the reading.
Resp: 11:49:51
